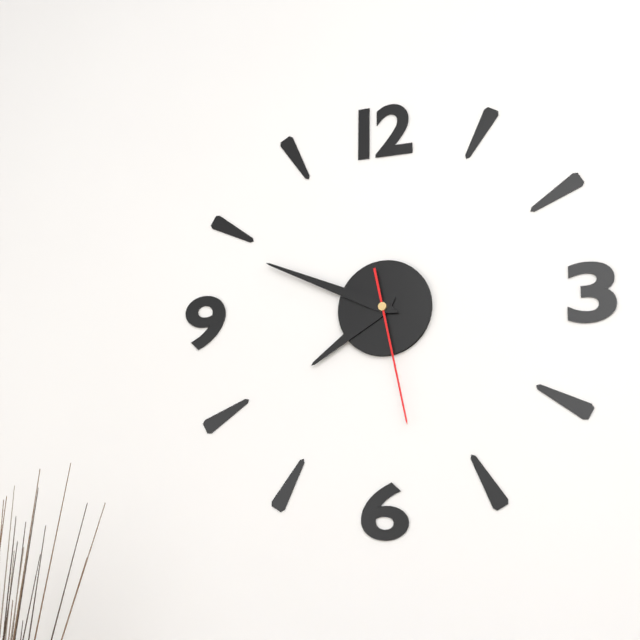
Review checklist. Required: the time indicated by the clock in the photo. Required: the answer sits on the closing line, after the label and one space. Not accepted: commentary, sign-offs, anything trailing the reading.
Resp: 7:49:28
